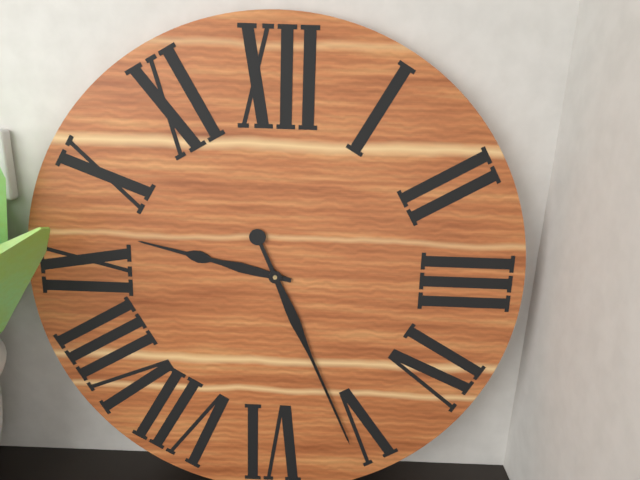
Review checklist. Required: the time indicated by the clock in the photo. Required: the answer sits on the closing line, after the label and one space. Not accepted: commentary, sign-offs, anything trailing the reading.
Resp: 9:26
